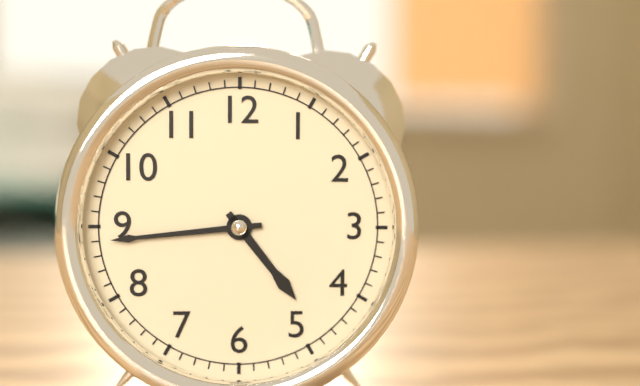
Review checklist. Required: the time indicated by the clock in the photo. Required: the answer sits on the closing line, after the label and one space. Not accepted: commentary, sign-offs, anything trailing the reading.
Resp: 4:44
